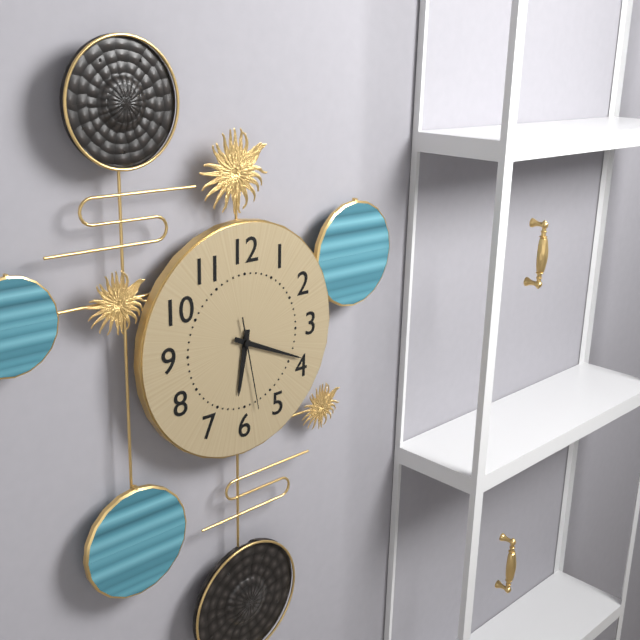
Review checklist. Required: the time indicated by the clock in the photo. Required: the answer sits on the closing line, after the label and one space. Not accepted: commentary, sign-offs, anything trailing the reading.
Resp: 6:19:28
